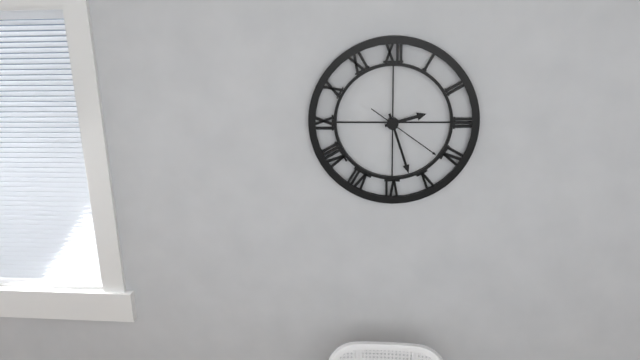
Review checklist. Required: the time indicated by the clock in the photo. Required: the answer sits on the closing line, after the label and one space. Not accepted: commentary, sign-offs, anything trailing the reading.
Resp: 2:27:21
